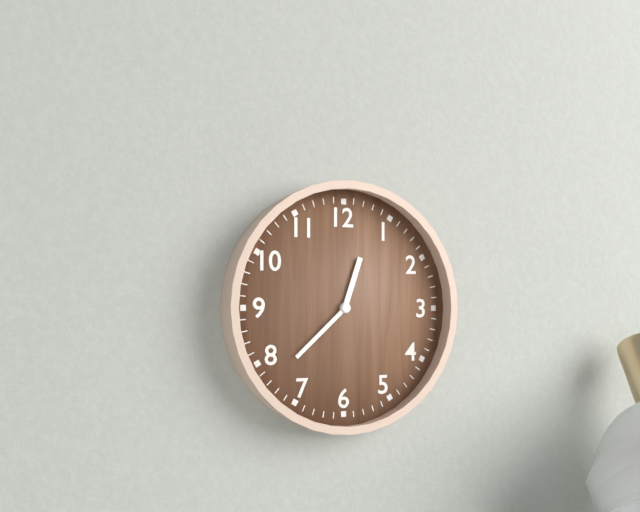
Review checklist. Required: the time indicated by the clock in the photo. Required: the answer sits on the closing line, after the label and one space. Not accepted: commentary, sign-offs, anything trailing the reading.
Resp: 12:38
